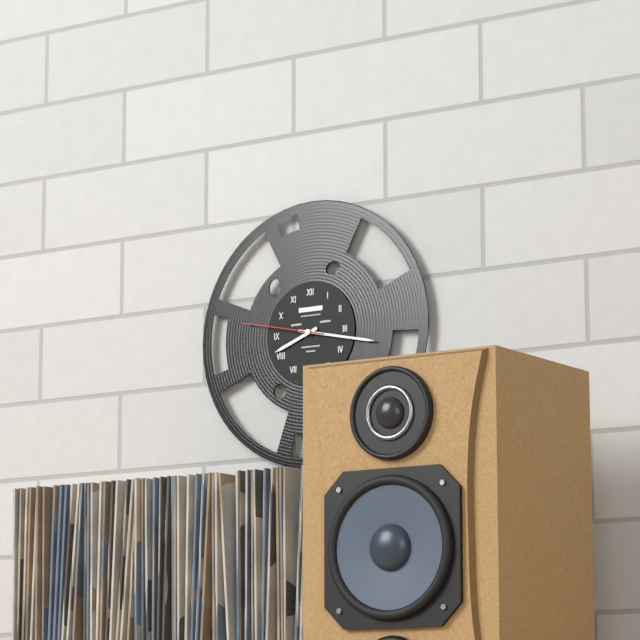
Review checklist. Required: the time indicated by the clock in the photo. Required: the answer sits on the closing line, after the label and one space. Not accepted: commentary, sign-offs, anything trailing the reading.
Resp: 8:17:47
